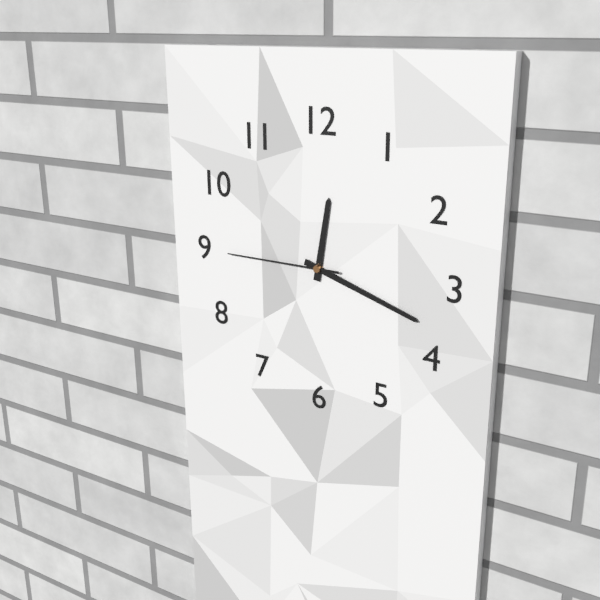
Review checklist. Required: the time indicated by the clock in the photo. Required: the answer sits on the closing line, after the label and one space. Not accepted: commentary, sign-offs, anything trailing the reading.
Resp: 12:18:45
